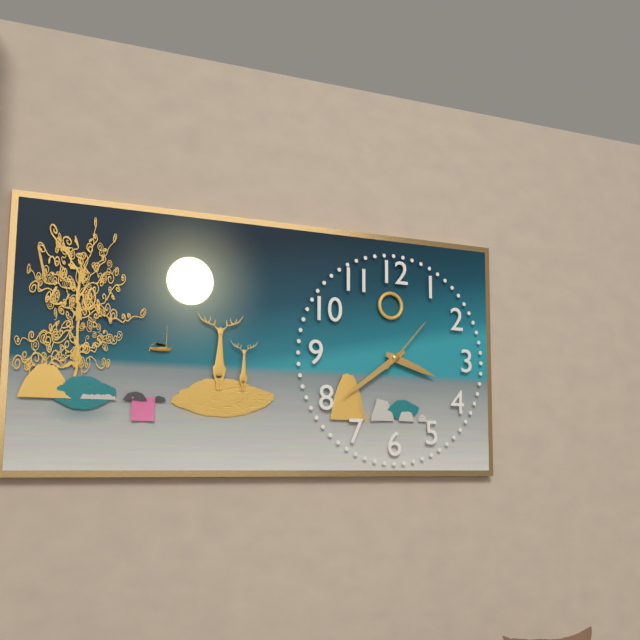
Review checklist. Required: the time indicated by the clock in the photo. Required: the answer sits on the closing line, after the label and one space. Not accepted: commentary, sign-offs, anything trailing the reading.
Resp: 3:39:07
